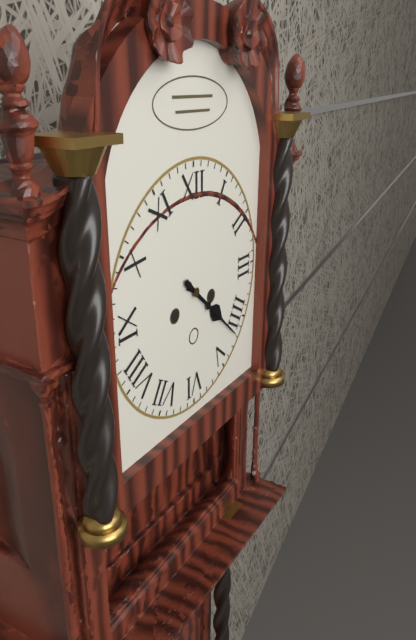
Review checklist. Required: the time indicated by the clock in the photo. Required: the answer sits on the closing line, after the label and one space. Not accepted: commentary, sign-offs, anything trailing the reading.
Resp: 4:22
